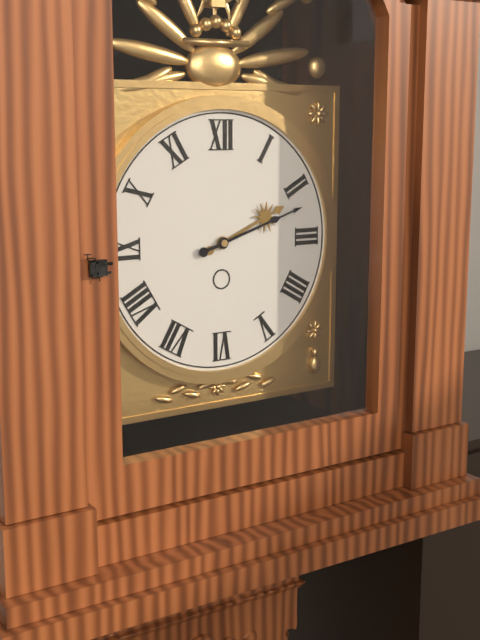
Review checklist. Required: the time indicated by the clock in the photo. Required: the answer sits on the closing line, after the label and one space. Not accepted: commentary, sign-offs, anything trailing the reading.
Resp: 2:12
